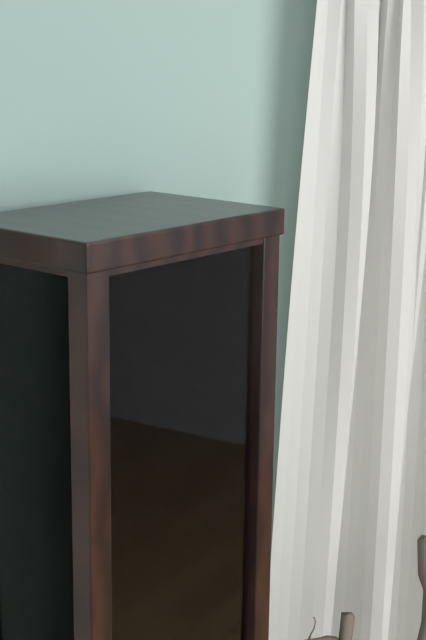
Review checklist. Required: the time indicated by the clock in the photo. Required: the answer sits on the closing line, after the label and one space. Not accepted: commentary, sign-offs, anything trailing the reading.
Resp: 8:43
